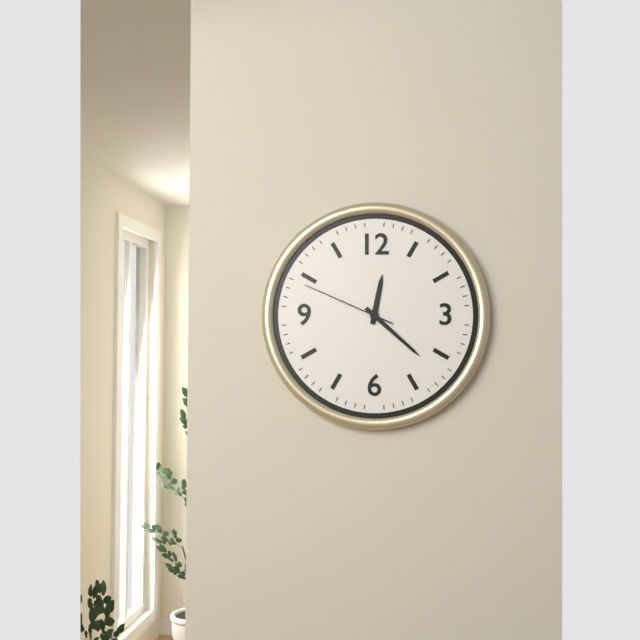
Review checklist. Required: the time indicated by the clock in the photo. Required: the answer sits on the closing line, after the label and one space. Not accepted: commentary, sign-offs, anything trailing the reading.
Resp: 12:22:49
